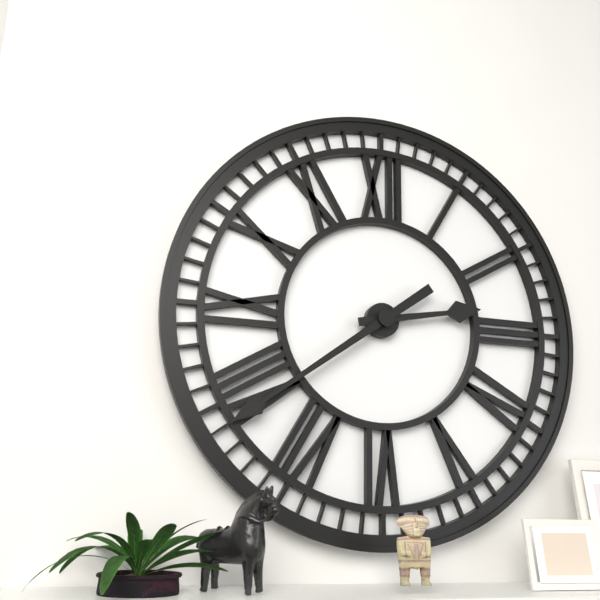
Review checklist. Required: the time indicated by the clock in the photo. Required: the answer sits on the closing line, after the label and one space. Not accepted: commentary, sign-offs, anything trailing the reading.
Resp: 2:39
